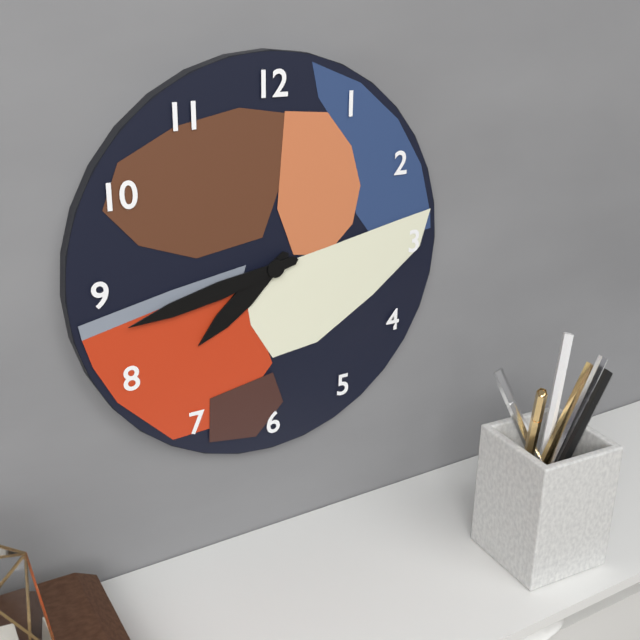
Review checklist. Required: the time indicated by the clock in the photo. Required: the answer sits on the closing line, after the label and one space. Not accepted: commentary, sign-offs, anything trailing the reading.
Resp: 7:43
